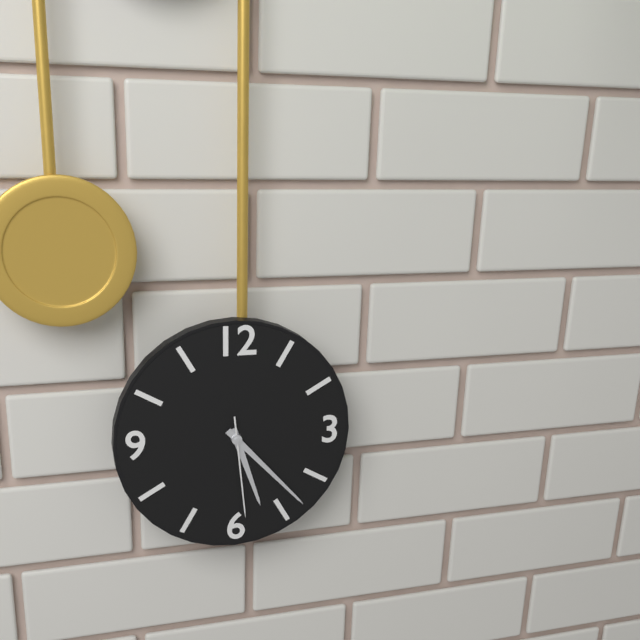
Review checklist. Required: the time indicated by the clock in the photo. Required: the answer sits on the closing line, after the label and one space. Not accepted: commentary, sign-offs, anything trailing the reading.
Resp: 5:23:29
